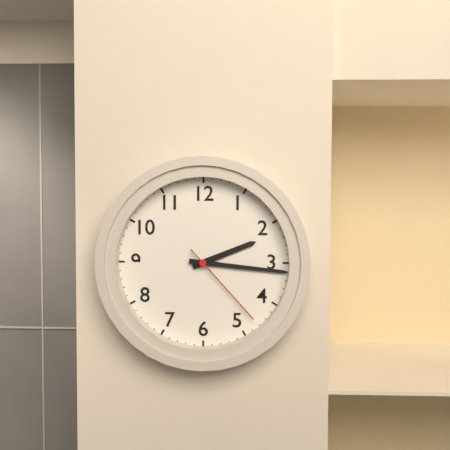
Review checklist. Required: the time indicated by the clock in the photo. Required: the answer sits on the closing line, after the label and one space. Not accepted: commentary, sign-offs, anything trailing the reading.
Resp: 2:16:23
